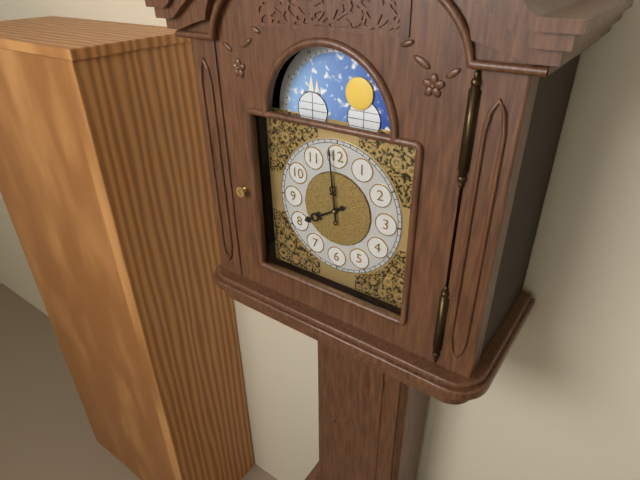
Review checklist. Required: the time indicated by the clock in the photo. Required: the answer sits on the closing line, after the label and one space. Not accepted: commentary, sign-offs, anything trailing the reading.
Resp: 7:59
